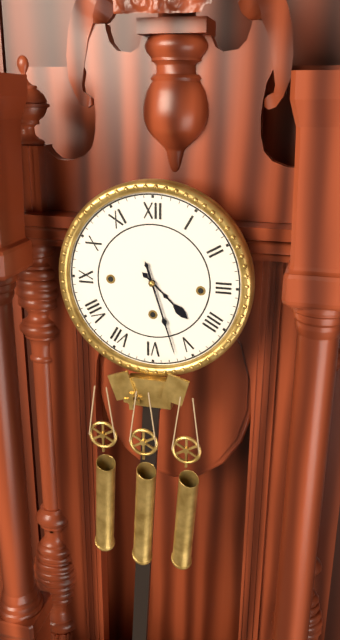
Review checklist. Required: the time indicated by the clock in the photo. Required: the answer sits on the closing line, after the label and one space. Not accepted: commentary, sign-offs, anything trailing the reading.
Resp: 4:27
